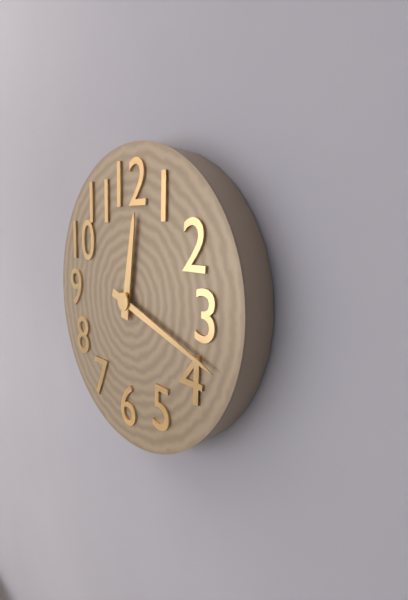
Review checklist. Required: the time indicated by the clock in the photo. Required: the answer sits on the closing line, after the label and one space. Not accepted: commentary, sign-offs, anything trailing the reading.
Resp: 12:18
